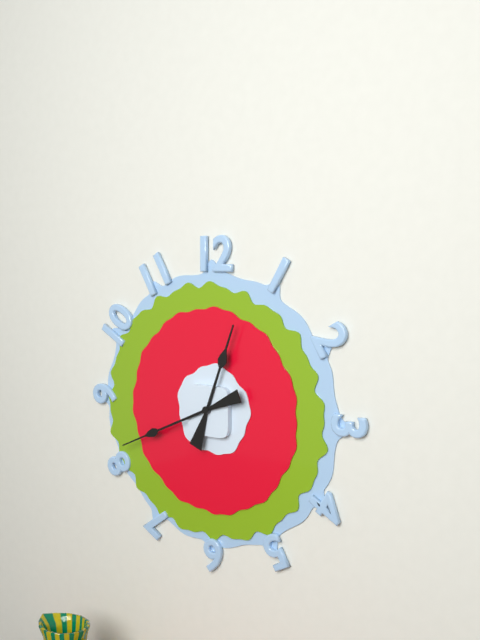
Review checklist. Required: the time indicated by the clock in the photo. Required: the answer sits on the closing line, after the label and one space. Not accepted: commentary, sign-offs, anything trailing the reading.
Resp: 12:41
